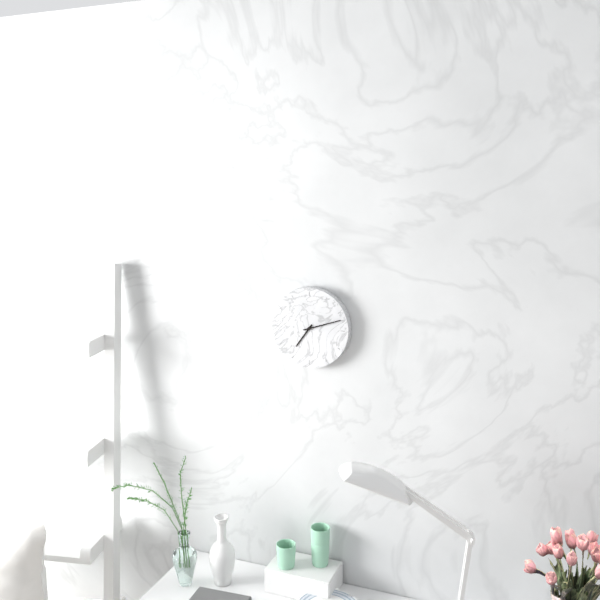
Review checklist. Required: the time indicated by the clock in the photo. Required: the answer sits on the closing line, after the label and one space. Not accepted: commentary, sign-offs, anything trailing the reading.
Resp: 7:12
